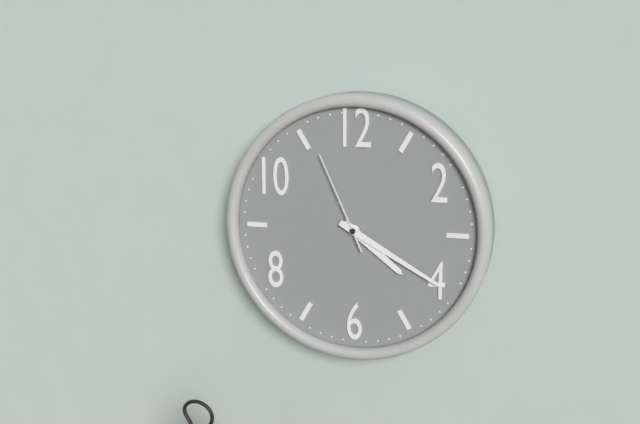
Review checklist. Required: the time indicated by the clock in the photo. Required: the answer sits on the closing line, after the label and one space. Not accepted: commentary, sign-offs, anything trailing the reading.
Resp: 4:20:56
